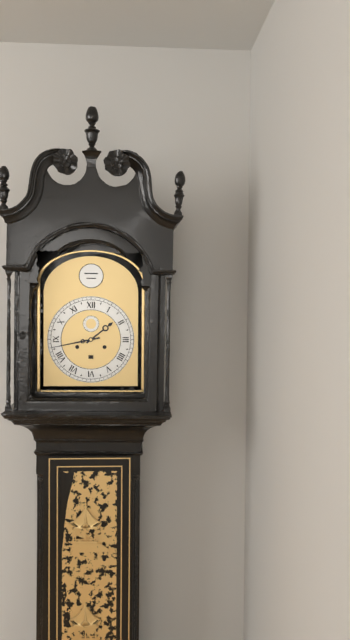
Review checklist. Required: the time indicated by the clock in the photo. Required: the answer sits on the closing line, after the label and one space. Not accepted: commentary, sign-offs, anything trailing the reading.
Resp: 1:43
